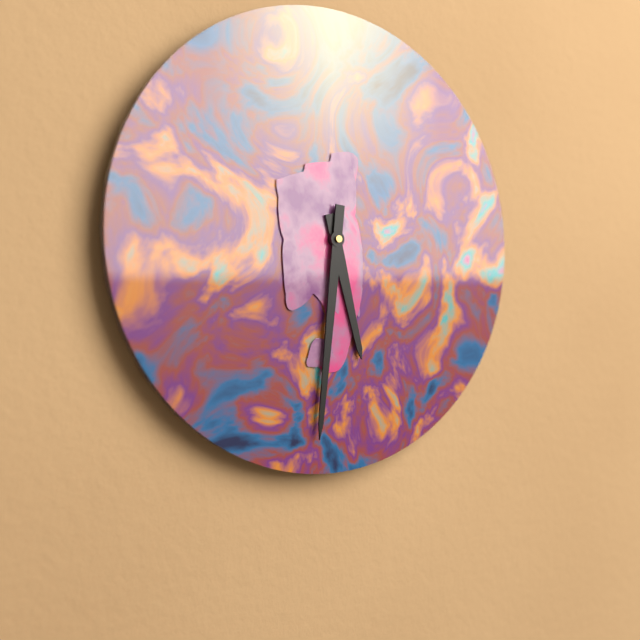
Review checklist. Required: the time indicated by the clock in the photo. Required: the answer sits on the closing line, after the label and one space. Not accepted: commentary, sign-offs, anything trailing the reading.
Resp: 5:31
